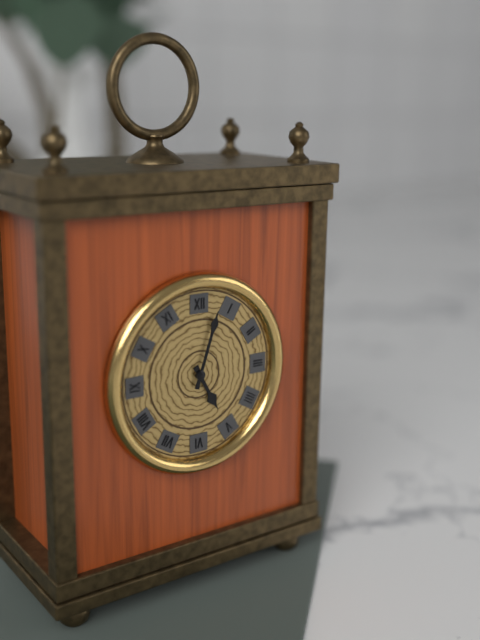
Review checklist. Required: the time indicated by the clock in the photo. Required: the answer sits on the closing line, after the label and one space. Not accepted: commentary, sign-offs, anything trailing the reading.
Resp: 5:03
